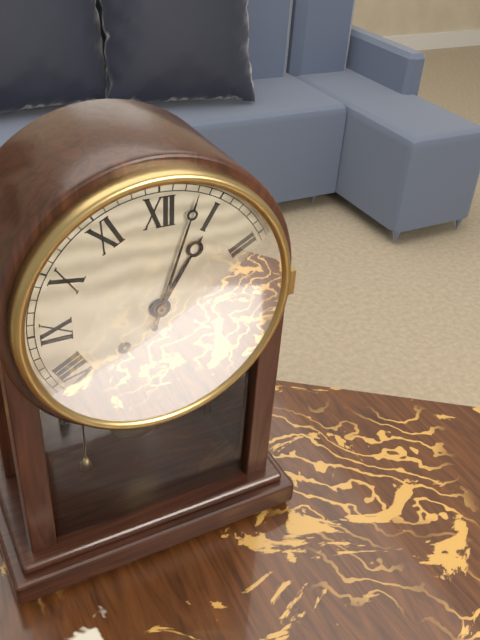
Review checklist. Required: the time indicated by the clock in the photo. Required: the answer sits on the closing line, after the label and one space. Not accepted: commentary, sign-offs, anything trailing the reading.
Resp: 1:03
